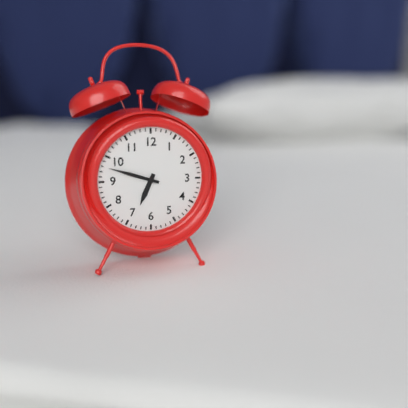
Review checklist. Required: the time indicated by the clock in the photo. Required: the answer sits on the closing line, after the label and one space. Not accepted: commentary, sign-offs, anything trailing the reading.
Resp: 6:48
